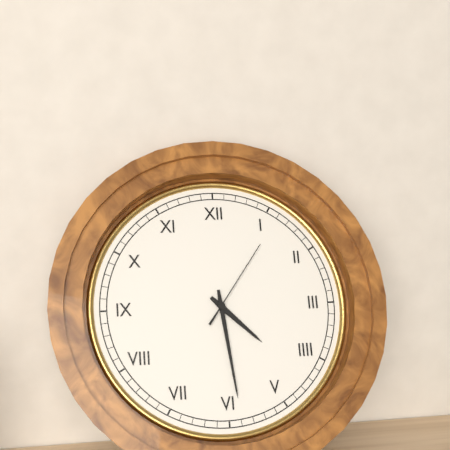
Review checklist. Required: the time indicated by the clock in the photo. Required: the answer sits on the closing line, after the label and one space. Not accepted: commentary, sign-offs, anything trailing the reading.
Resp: 4:29:06
